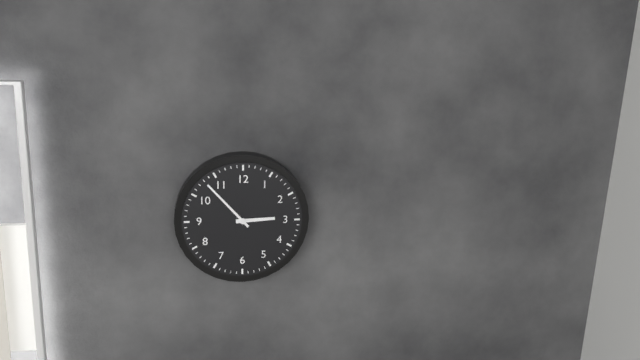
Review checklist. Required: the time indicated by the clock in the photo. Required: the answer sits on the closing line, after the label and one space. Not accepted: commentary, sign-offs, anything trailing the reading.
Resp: 2:53
